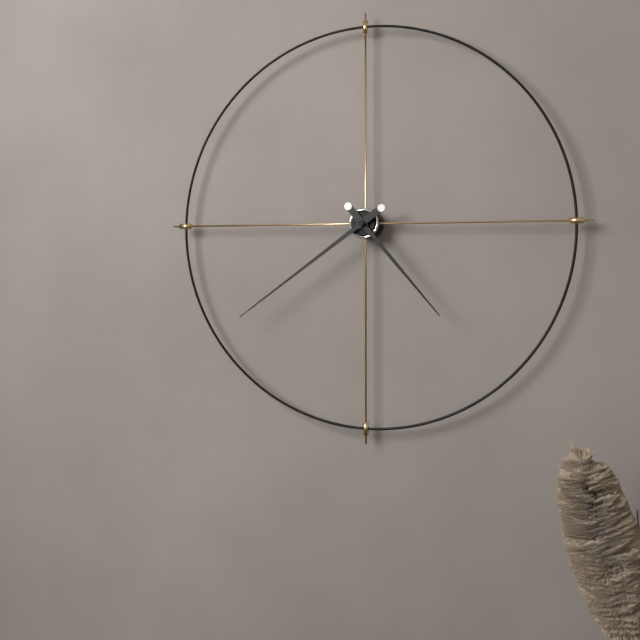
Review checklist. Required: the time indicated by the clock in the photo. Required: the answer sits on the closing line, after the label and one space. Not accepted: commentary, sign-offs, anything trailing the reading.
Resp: 4:39
